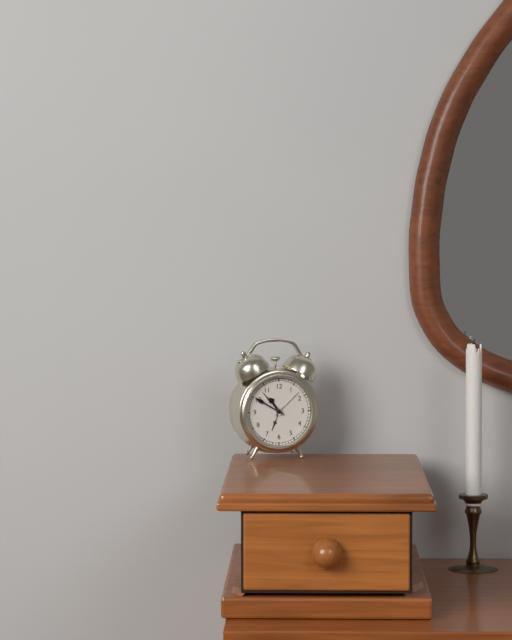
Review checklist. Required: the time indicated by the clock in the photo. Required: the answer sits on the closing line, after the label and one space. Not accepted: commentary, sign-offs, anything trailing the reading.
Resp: 10:50
